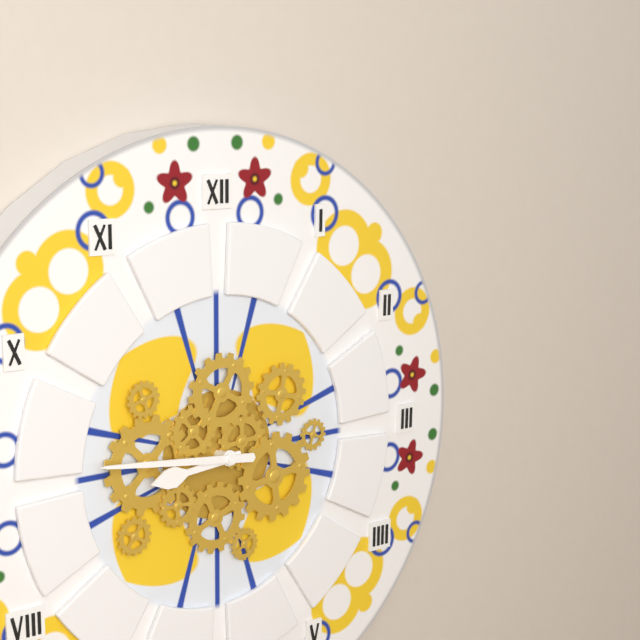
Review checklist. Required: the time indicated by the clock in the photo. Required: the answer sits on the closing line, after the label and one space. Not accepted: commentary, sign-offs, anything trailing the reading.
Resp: 8:46
